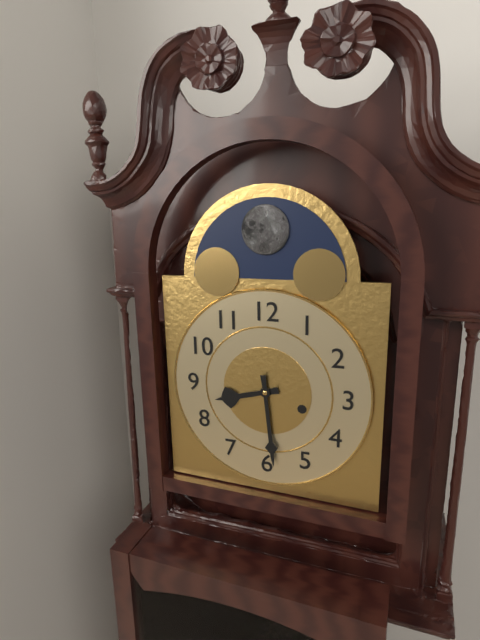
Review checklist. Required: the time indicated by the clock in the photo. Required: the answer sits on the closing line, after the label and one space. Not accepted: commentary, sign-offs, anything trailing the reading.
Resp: 8:29
